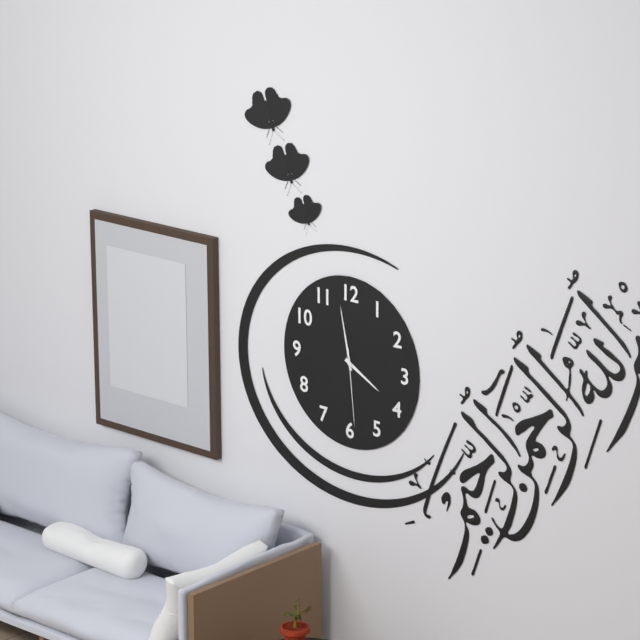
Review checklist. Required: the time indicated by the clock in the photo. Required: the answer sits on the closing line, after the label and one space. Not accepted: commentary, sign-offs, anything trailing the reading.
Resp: 3:58:29
